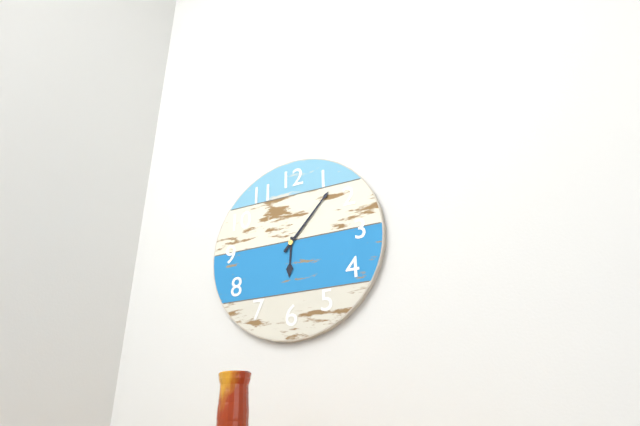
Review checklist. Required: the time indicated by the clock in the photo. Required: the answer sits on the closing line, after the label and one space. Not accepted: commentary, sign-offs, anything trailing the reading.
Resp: 6:07
